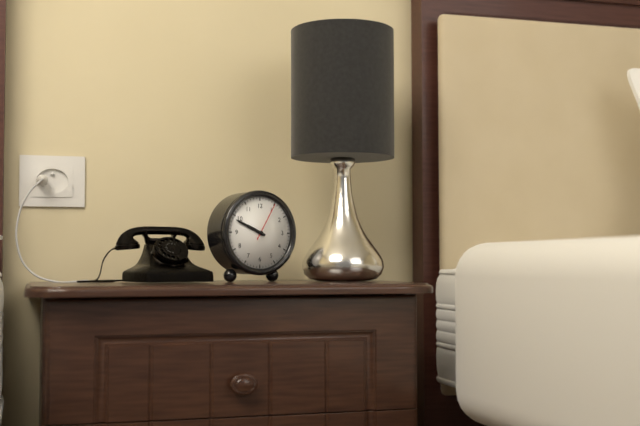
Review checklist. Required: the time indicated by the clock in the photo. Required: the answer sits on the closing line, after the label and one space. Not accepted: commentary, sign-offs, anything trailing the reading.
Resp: 9:49
